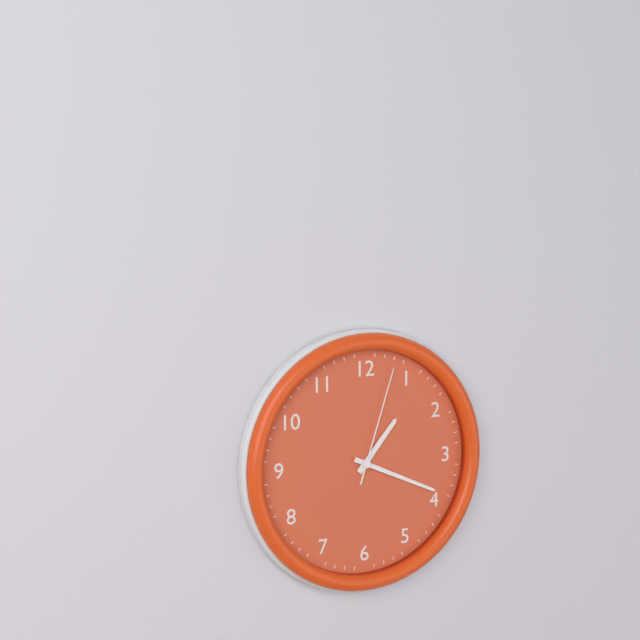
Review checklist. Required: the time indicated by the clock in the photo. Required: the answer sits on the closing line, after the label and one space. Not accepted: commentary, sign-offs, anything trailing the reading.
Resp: 1:19:03
